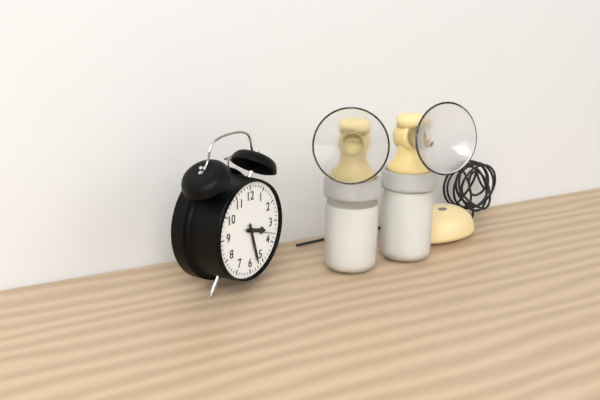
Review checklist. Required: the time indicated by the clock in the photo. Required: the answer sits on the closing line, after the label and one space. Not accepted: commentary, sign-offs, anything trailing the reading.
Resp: 3:27
